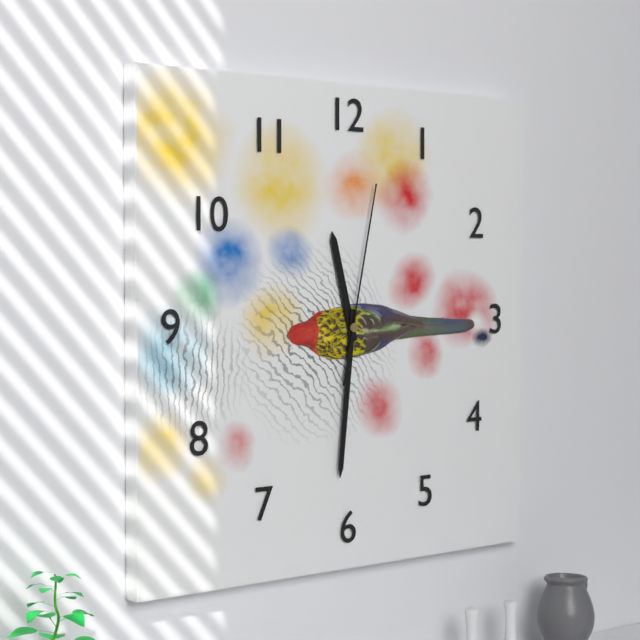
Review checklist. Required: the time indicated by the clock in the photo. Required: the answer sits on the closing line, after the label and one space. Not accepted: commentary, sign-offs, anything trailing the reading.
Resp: 11:31:02
